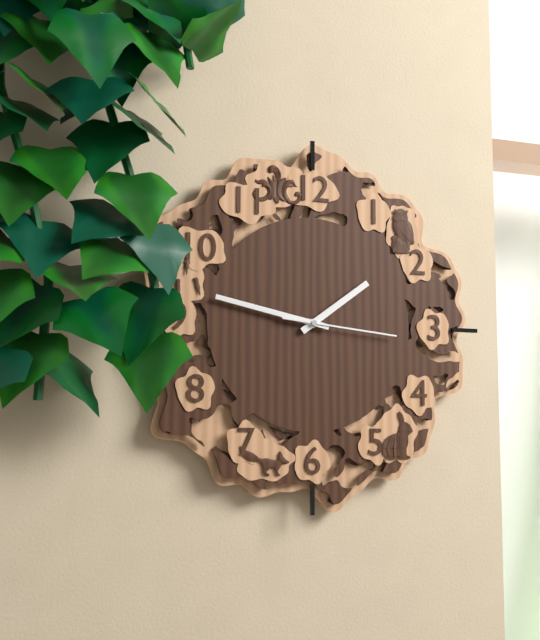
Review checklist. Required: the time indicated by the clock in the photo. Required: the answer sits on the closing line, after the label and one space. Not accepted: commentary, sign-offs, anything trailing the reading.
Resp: 1:47:16
